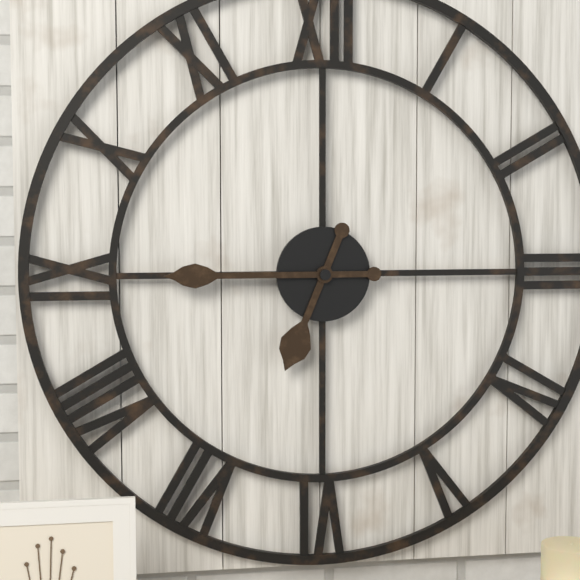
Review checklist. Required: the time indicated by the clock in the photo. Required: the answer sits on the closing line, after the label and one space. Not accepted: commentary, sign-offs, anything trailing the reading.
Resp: 6:45
